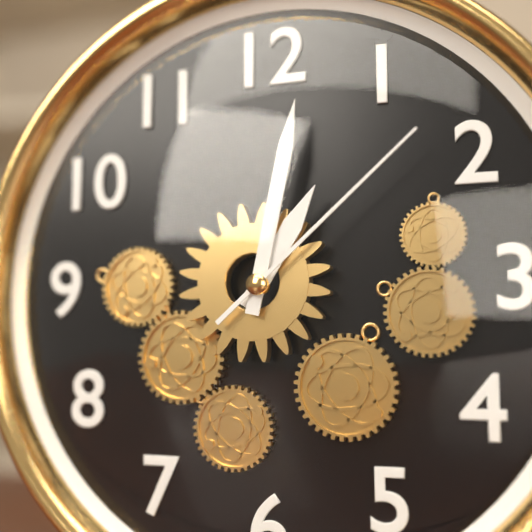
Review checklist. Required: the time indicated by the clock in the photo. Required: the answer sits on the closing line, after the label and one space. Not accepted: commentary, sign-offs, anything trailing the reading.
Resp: 1:02:08
